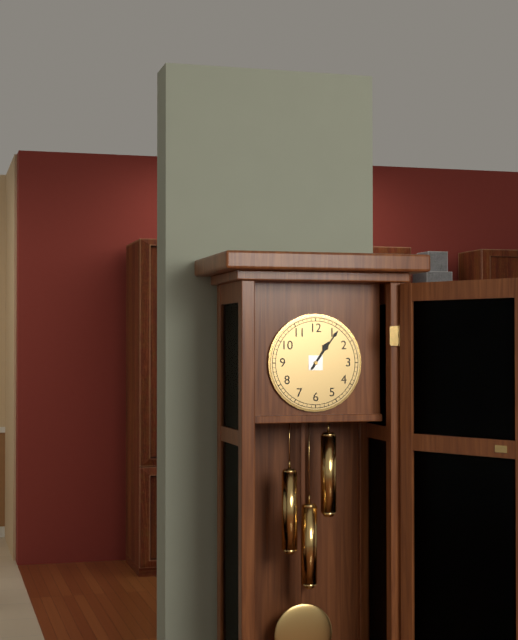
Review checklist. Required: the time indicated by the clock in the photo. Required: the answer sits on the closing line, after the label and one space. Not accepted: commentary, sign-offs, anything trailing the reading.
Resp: 1:06
